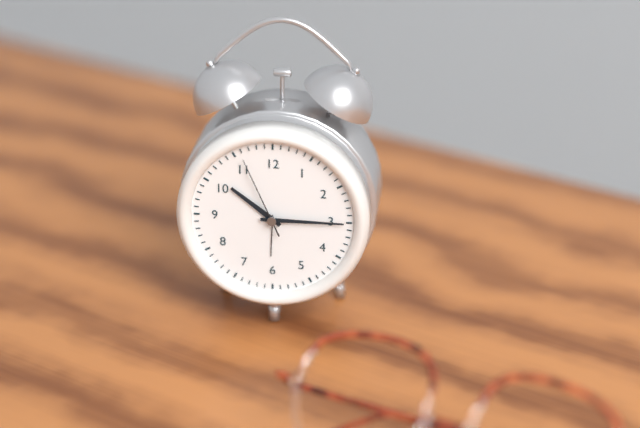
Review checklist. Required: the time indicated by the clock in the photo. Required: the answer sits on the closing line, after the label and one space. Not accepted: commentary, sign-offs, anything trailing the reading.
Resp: 10:15:56
